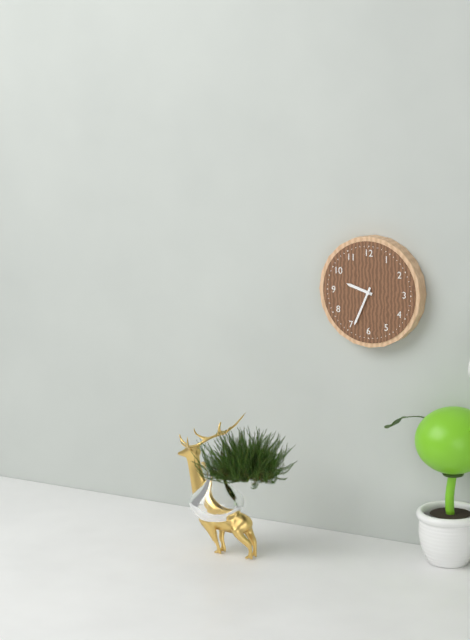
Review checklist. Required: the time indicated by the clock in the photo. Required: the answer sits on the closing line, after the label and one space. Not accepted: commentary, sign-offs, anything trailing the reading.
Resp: 9:34
